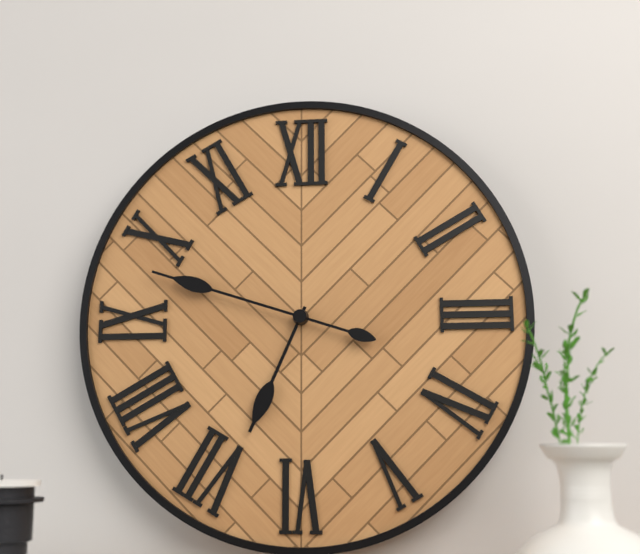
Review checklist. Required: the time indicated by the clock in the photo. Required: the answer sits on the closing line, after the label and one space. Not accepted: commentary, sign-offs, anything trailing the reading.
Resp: 6:48
